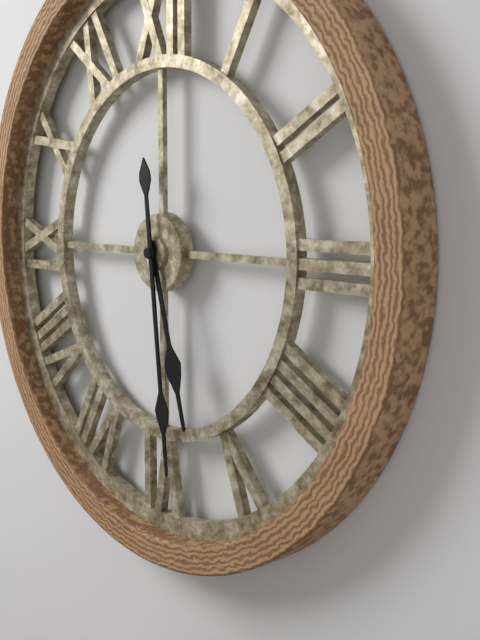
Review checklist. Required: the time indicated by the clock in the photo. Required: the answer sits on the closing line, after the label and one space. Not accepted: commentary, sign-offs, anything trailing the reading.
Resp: 5:29
